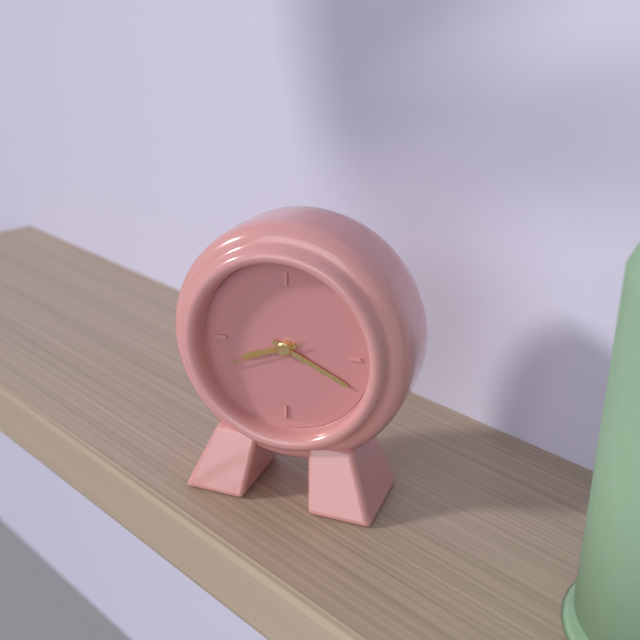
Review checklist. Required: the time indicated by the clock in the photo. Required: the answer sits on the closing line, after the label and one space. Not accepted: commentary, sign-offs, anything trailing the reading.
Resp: 8:19:41
